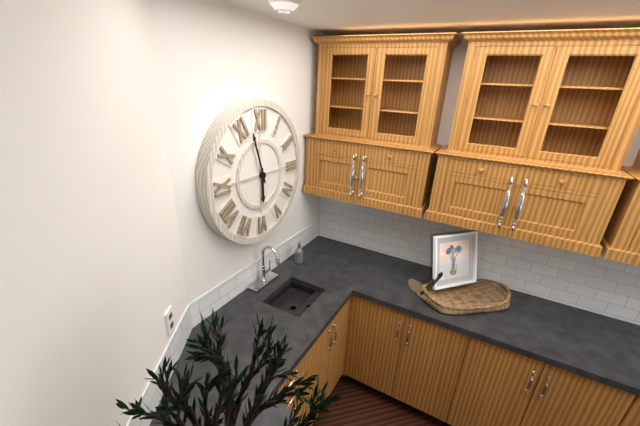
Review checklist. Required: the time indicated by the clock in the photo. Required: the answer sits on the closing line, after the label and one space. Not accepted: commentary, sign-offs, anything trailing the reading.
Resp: 5:57
